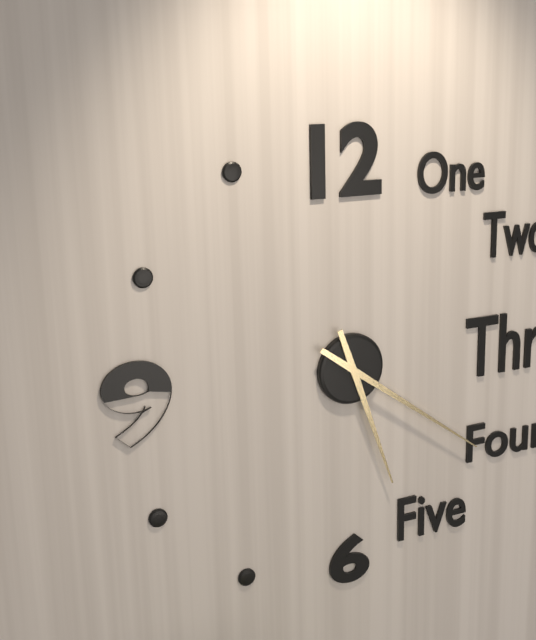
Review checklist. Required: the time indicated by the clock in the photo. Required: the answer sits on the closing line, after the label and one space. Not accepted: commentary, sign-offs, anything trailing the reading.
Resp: 5:21
